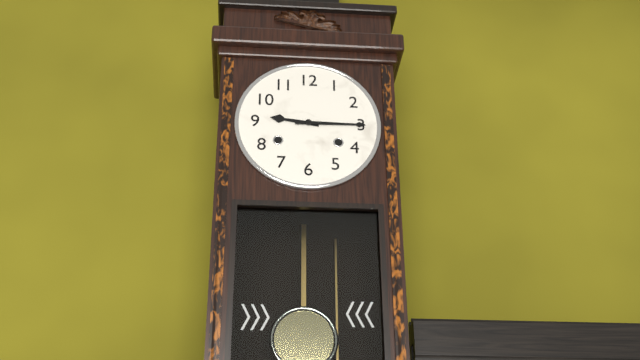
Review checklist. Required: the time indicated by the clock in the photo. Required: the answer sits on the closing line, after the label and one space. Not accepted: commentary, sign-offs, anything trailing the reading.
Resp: 9:15
